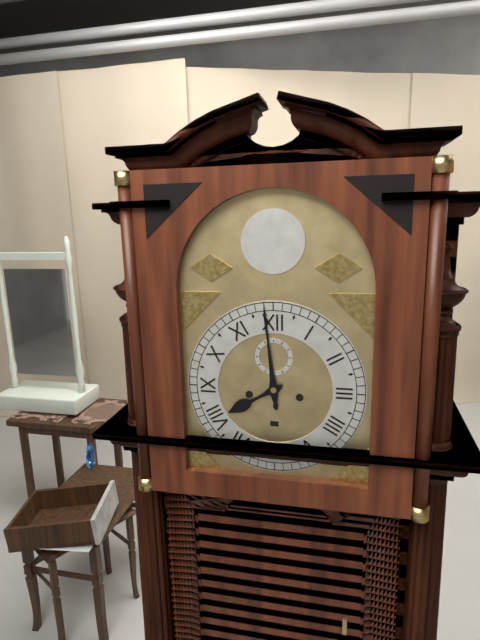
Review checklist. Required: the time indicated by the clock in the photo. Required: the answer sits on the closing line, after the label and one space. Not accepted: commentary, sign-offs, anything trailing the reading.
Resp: 7:59
